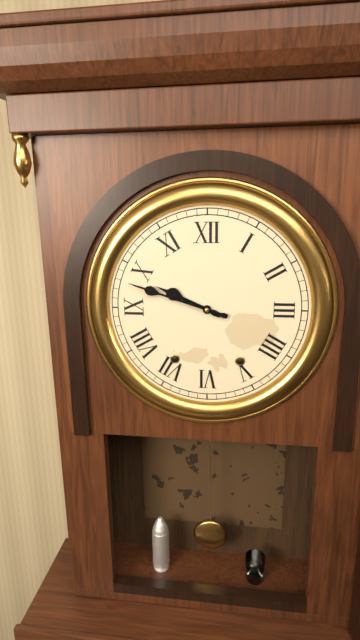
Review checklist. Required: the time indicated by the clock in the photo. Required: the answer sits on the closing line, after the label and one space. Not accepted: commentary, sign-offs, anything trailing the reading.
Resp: 9:48
